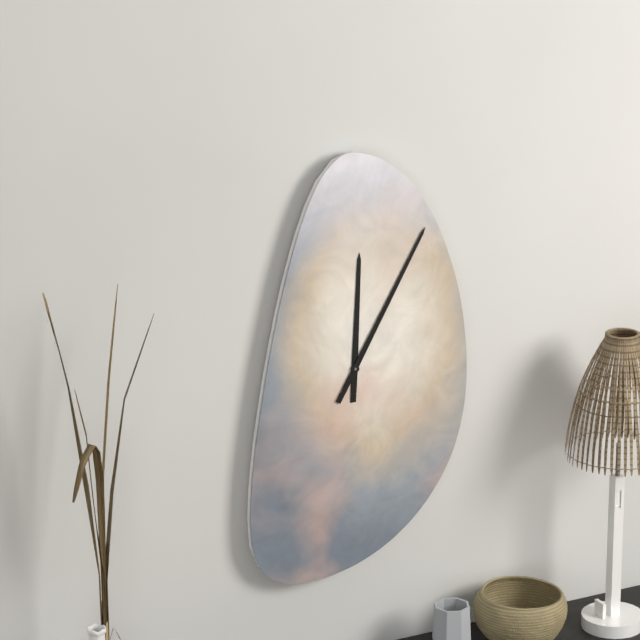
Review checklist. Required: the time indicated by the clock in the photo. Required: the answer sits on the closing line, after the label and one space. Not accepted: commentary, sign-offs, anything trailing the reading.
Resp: 12:05
